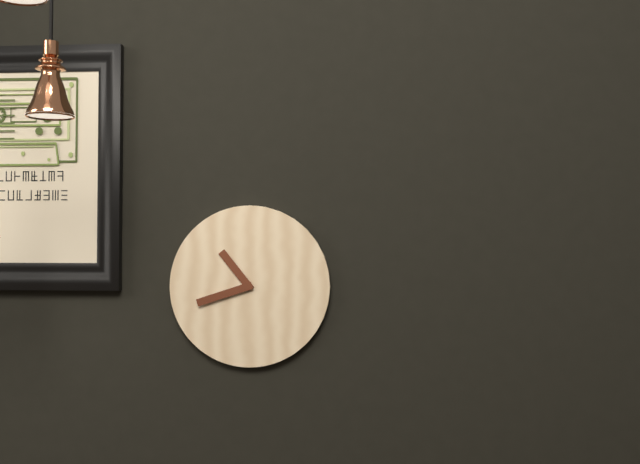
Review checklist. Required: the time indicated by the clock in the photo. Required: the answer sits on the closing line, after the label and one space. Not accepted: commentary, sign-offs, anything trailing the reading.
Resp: 10:42
